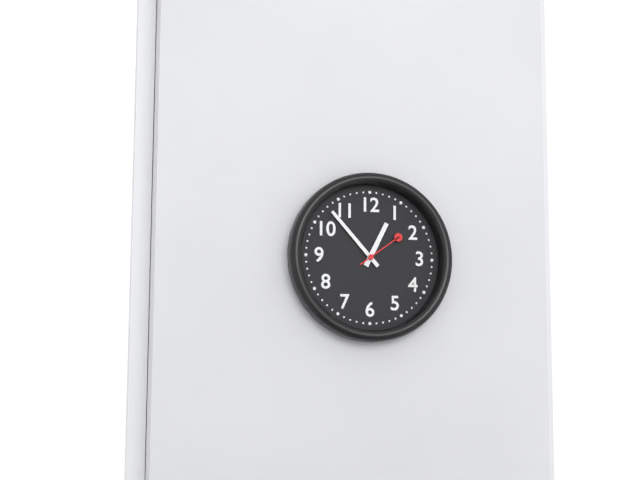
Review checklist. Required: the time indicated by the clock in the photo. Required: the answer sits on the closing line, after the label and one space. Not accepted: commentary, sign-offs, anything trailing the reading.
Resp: 12:53
